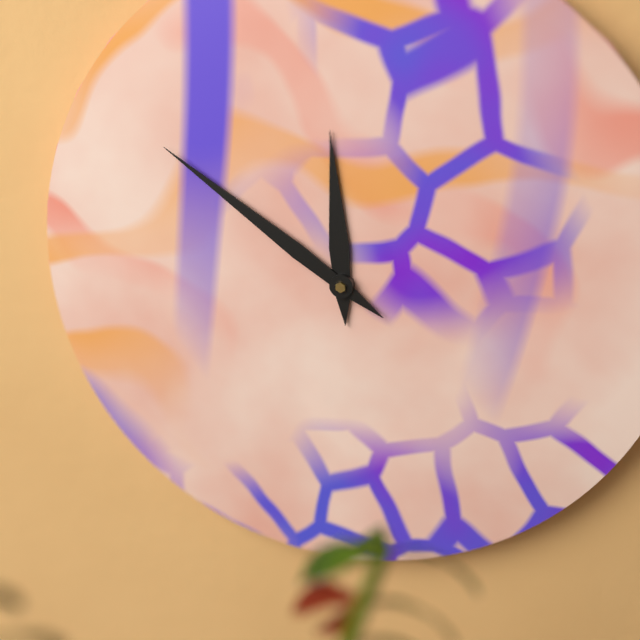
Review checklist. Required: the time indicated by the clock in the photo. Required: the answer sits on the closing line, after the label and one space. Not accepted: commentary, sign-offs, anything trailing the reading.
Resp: 11:51
